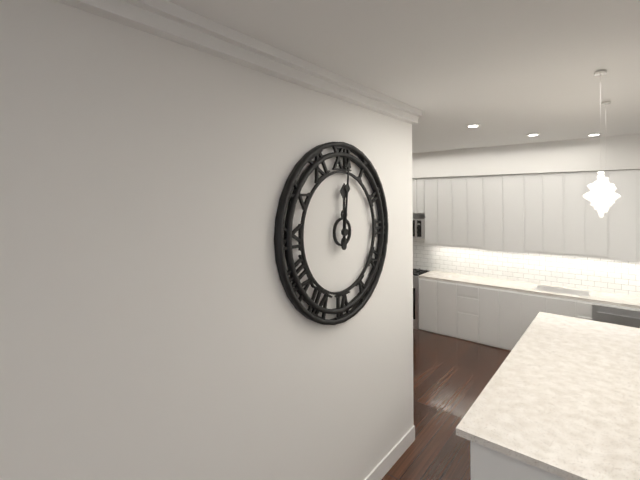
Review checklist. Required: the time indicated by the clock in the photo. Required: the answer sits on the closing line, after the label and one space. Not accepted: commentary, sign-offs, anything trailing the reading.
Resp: 12:01
